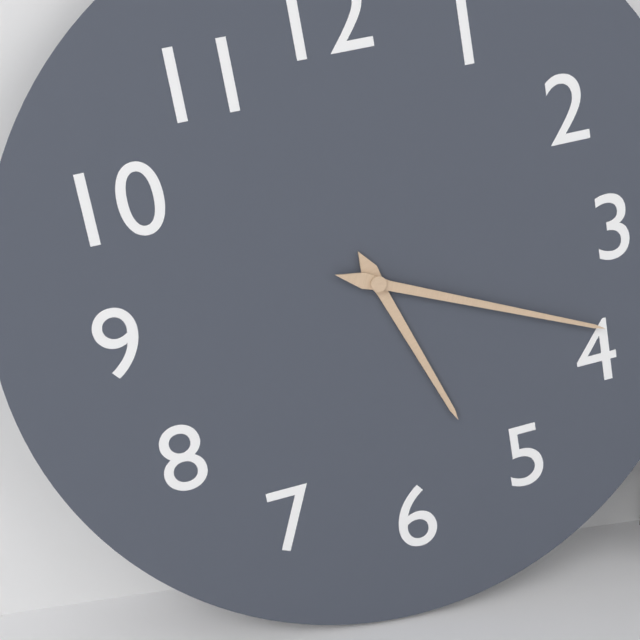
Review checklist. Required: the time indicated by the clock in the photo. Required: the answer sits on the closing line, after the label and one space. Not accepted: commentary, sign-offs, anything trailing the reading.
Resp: 5:19
